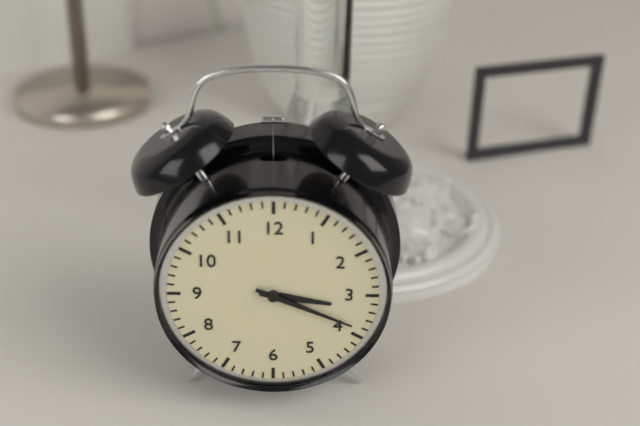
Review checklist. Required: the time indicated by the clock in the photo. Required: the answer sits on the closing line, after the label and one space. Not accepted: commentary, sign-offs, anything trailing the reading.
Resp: 3:19
